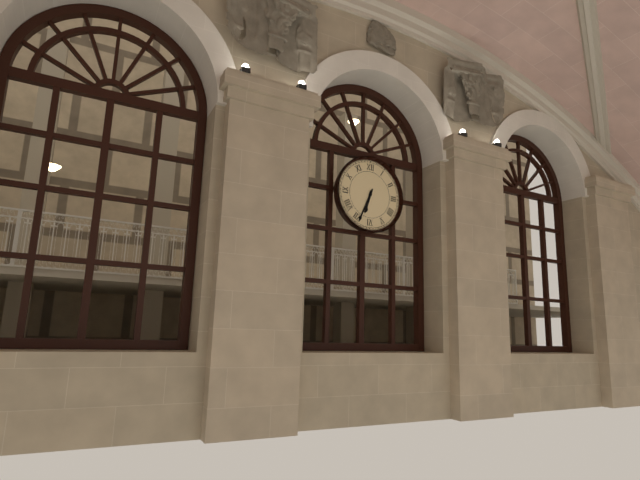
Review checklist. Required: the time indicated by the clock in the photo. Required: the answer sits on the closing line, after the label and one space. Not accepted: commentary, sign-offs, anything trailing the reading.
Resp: 6:34
